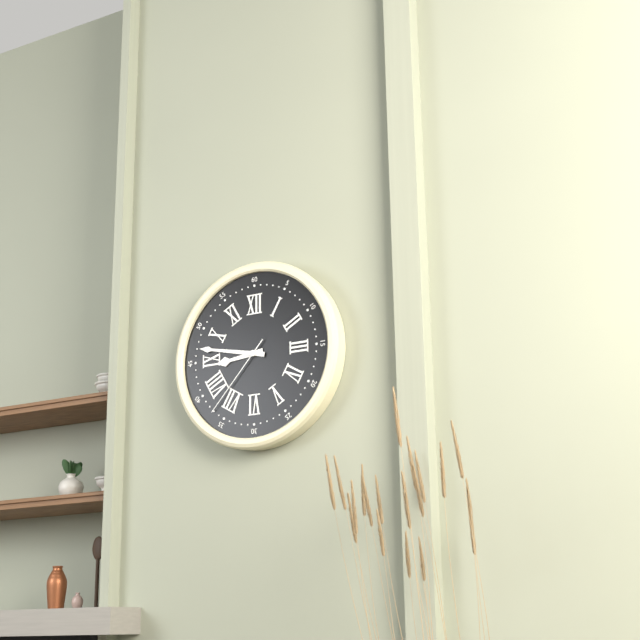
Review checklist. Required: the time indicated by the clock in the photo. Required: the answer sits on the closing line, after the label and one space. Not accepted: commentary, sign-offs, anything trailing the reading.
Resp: 8:47:37
